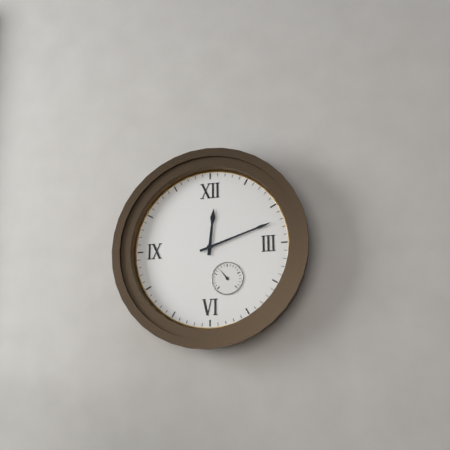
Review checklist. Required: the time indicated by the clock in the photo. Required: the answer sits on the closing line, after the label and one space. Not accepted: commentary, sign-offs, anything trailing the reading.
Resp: 12:12
